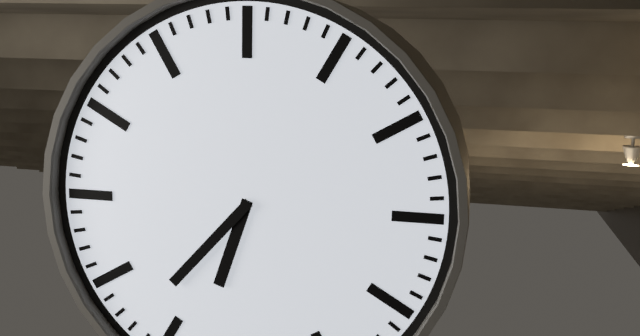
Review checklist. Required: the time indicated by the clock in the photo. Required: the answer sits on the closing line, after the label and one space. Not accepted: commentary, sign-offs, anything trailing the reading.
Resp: 6:37
